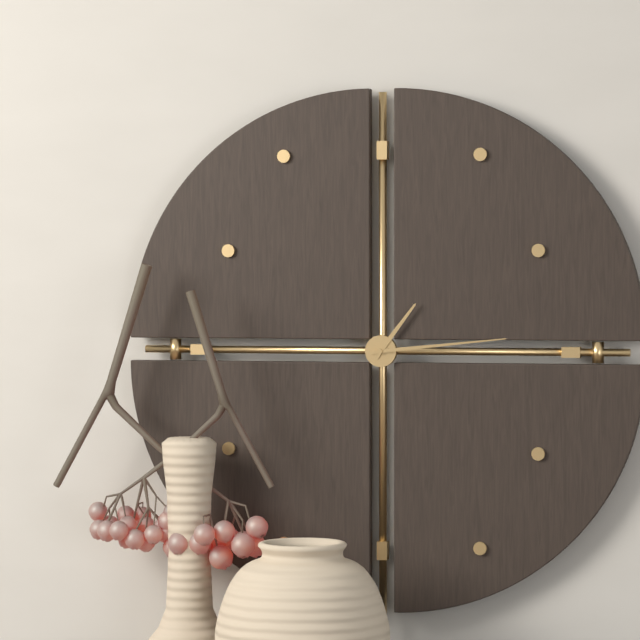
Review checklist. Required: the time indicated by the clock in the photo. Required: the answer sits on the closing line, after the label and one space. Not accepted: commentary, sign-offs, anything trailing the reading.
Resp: 1:14
